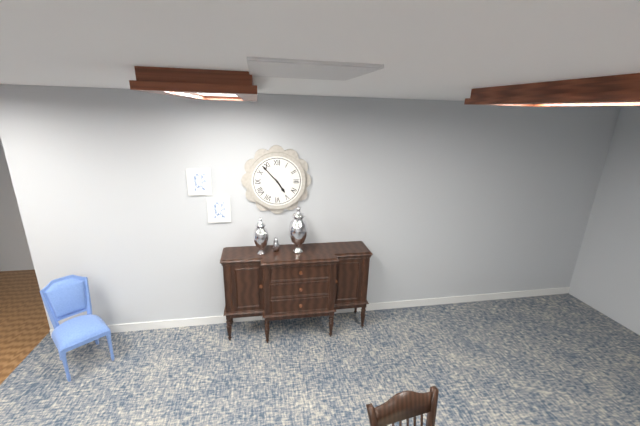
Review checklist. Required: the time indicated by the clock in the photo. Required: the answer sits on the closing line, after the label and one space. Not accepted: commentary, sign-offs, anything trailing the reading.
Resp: 4:53
